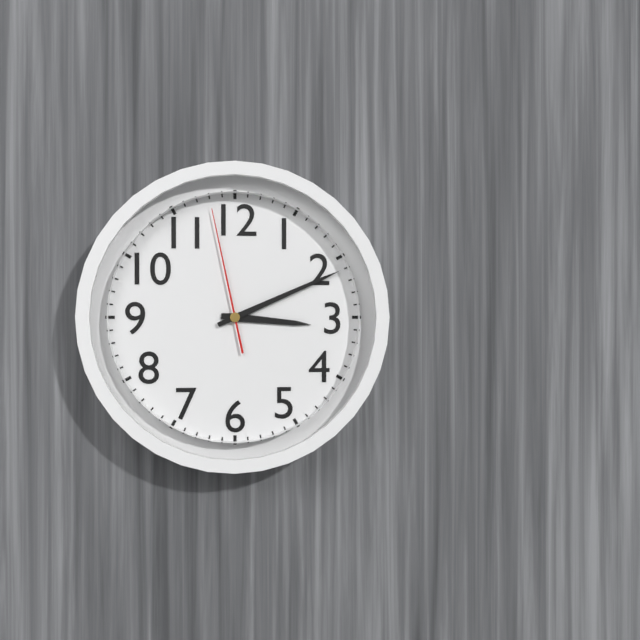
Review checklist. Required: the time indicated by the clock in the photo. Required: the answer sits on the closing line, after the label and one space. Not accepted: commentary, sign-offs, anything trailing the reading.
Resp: 3:11:58
